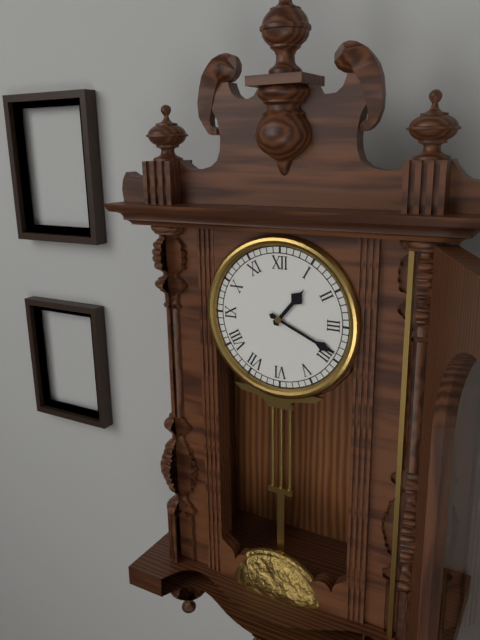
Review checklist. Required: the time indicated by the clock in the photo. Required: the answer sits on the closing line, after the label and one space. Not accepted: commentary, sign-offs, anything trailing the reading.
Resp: 1:19
